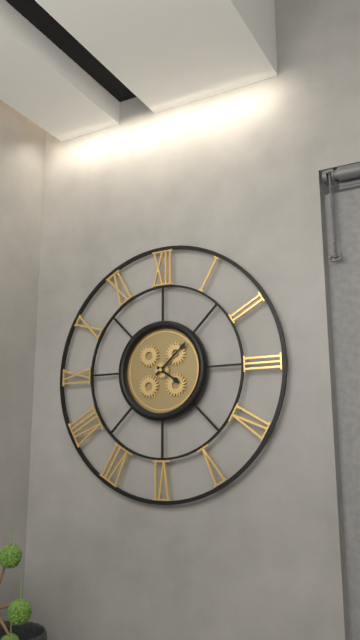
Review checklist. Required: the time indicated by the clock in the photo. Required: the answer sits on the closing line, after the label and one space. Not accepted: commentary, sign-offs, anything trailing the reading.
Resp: 4:08
